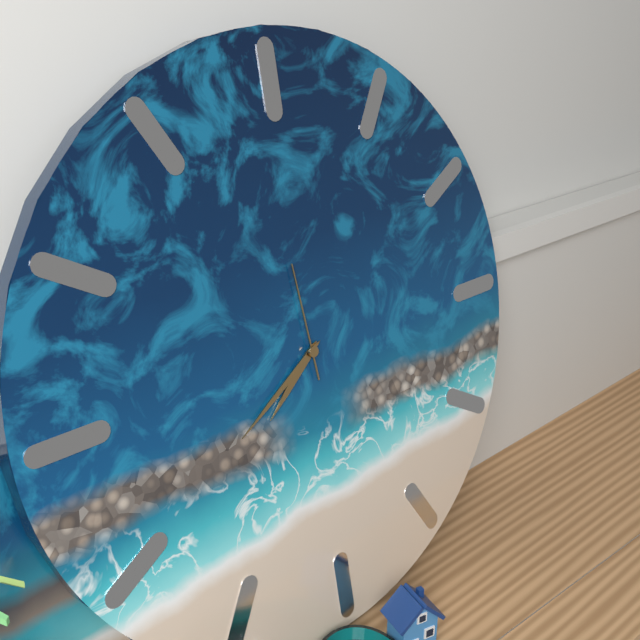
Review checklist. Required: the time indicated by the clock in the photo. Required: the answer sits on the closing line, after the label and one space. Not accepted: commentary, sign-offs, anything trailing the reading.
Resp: 7:40:59
